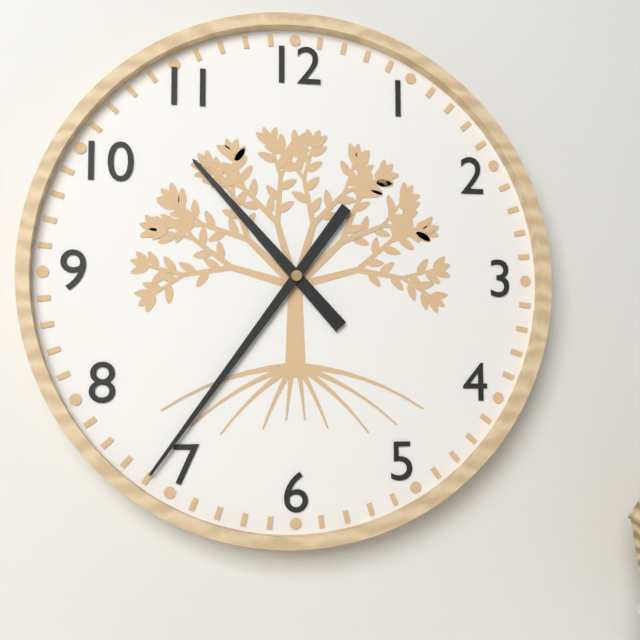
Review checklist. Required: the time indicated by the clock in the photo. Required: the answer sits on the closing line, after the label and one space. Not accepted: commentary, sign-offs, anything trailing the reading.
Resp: 10:36
